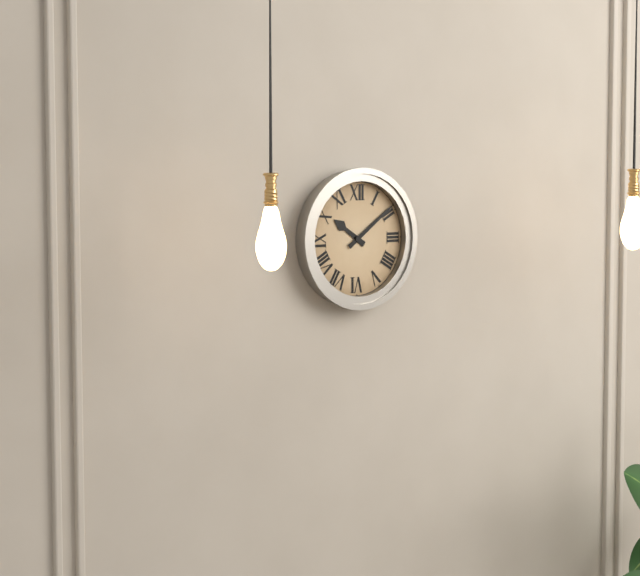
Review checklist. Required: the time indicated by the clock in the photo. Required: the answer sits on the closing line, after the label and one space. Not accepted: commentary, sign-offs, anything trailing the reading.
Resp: 10:09
